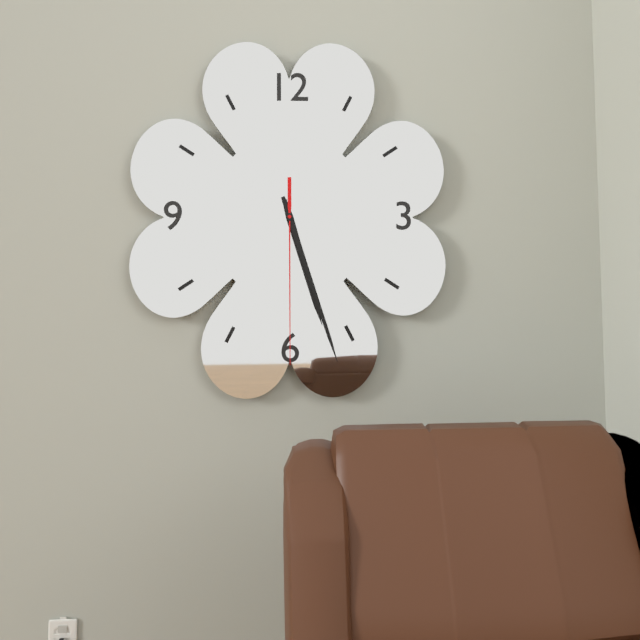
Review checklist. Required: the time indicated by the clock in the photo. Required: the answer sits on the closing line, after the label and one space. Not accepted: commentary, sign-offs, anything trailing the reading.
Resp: 5:27:30
